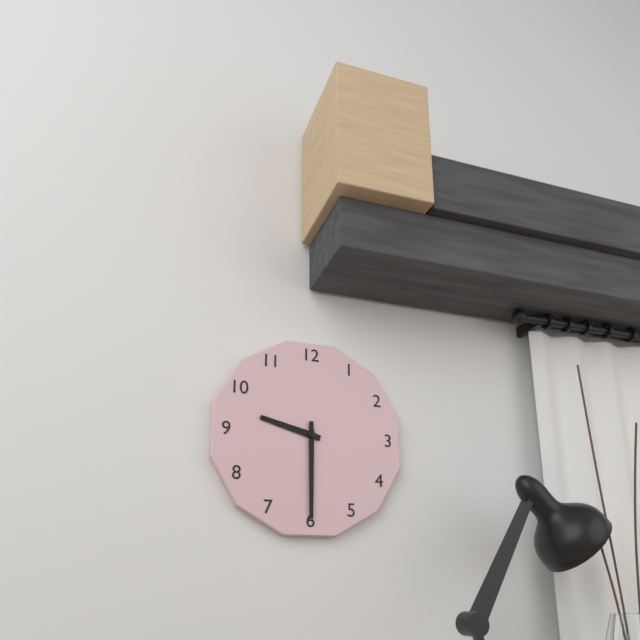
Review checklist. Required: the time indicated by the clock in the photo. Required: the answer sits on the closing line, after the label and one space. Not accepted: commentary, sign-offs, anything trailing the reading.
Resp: 9:30
